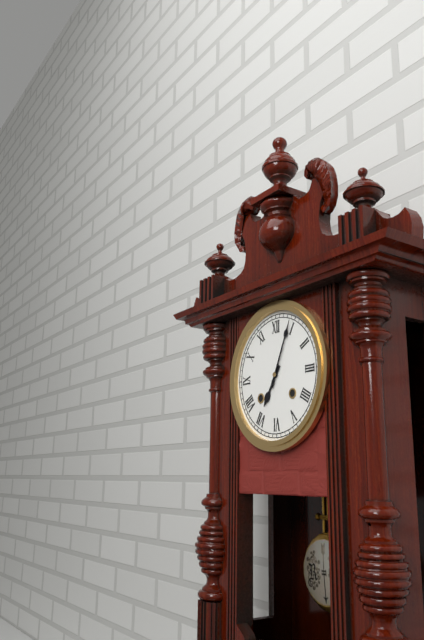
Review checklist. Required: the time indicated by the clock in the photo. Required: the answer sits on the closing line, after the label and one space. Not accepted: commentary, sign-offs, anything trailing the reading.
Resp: 7:04
